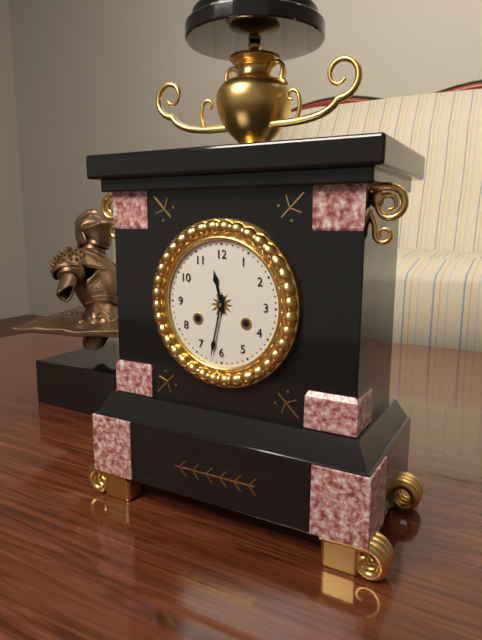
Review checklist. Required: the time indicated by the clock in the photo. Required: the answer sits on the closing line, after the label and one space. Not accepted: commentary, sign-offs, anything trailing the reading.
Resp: 11:32
